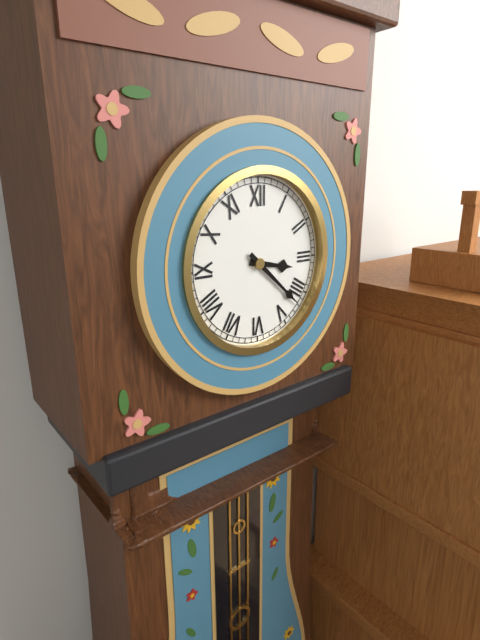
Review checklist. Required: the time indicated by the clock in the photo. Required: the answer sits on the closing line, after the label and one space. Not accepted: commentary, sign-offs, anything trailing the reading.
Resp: 3:22
